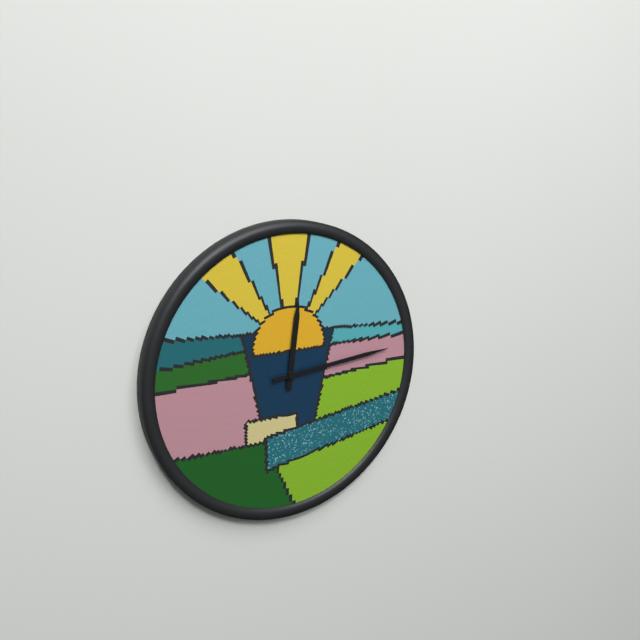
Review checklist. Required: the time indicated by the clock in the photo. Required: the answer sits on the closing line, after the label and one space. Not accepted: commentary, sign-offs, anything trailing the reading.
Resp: 12:14
